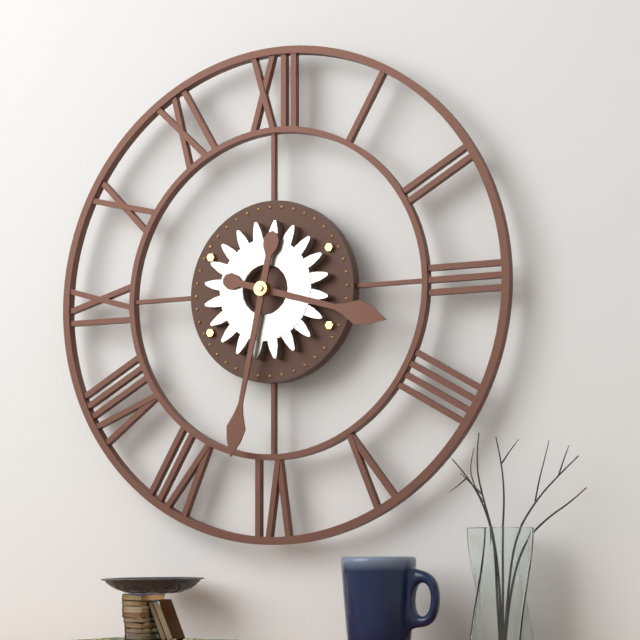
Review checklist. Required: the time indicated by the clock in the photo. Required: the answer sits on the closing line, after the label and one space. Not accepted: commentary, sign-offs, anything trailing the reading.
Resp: 3:32
